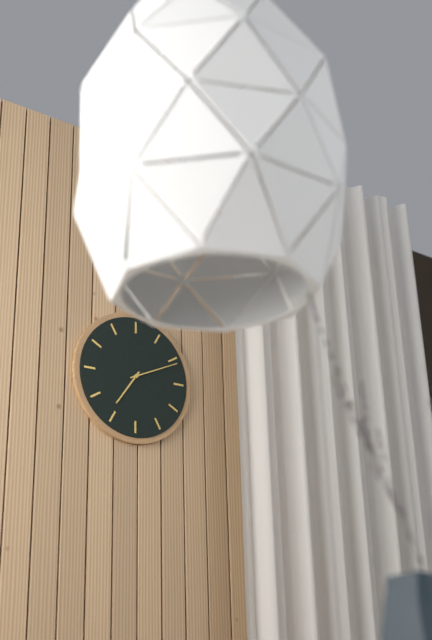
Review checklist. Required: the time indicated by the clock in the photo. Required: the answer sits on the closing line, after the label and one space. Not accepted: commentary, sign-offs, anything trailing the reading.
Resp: 7:11
